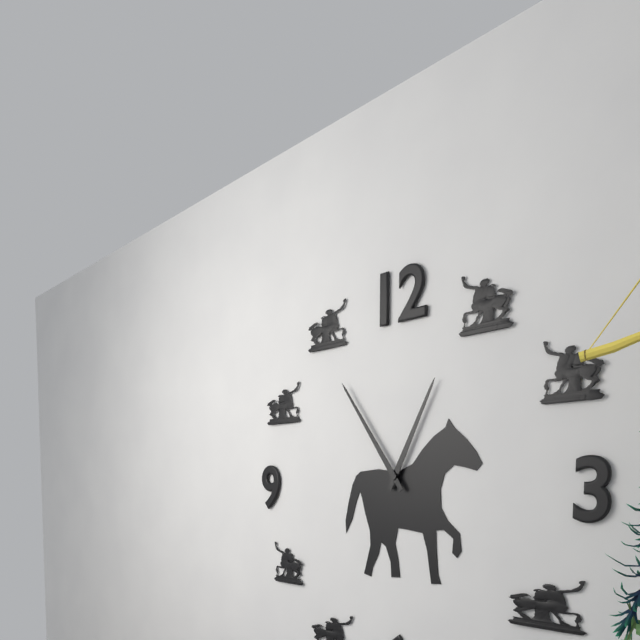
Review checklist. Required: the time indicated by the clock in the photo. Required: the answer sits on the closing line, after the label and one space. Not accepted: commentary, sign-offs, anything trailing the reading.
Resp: 12:54
